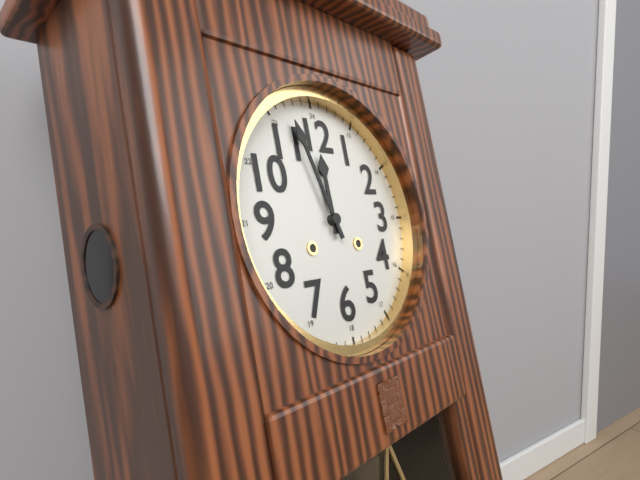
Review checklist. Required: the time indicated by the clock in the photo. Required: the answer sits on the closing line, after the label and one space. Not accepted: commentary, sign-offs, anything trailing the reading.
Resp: 11:57
